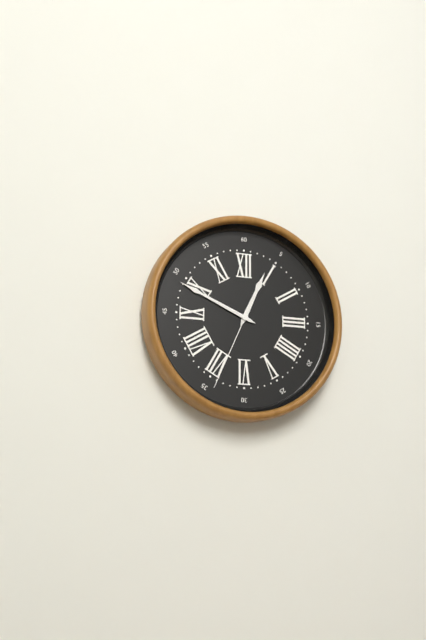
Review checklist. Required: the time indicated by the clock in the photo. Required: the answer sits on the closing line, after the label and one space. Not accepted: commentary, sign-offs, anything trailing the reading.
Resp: 12:49:34
